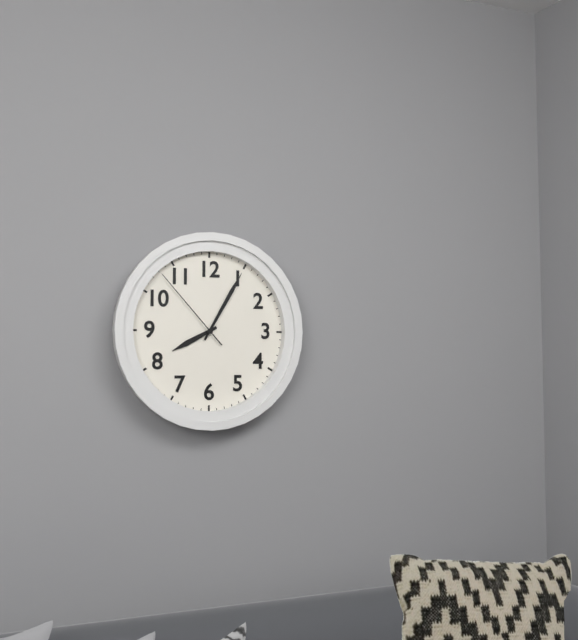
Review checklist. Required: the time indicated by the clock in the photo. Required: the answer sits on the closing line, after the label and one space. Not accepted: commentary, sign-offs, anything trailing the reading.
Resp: 8:05:53
